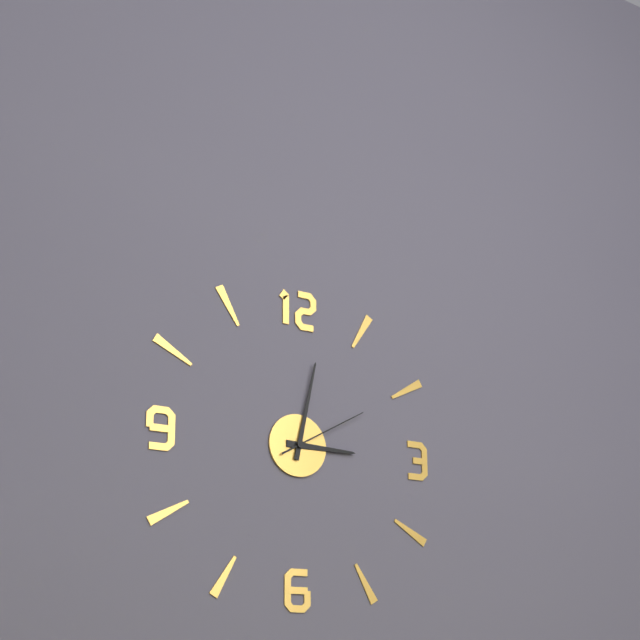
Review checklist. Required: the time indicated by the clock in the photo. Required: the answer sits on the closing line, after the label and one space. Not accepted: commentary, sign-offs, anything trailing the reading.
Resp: 3:02:10
